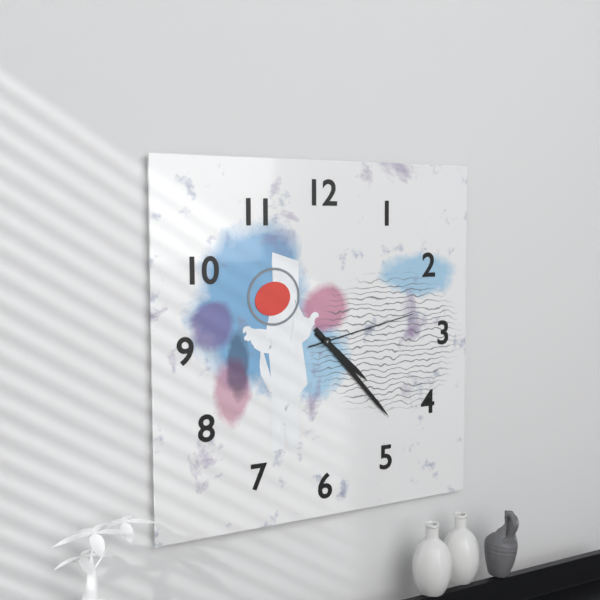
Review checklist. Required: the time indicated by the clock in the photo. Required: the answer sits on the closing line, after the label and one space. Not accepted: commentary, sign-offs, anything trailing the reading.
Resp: 4:23:13
